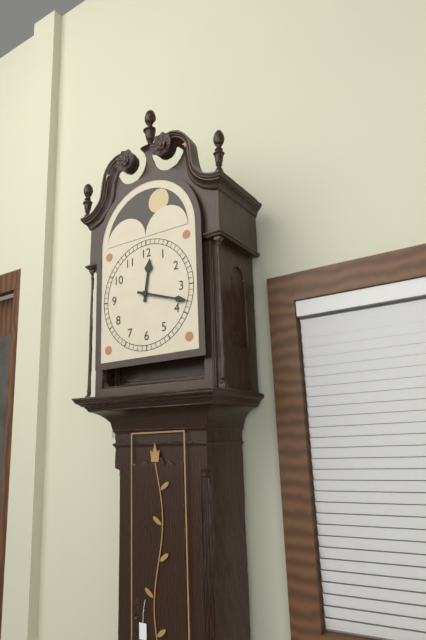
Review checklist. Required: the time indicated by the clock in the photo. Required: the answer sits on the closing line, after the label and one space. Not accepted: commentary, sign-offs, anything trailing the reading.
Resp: 12:18
